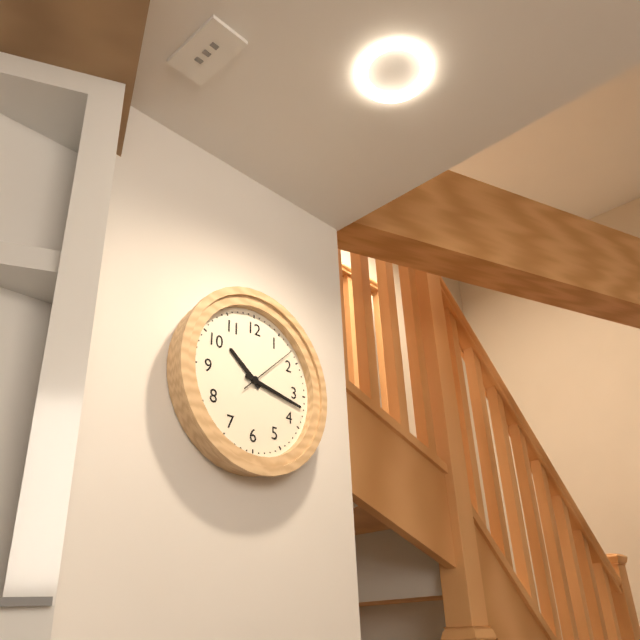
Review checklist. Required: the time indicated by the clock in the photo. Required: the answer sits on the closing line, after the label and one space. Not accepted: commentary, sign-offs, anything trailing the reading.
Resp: 10:17:08
